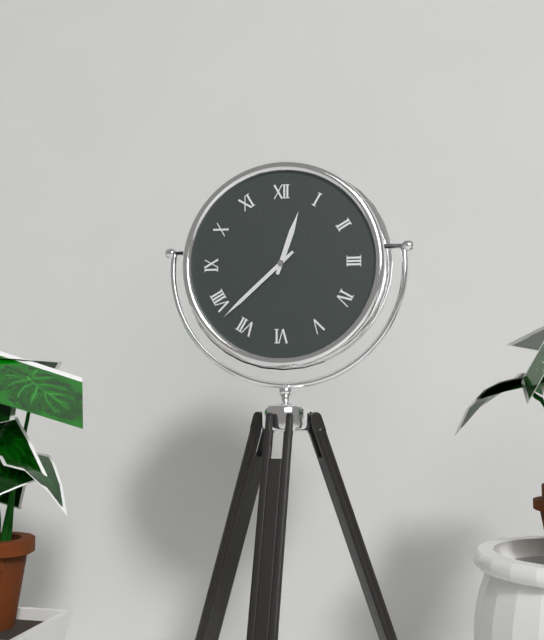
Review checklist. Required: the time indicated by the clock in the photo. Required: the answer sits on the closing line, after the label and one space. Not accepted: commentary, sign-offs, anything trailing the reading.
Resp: 12:38
